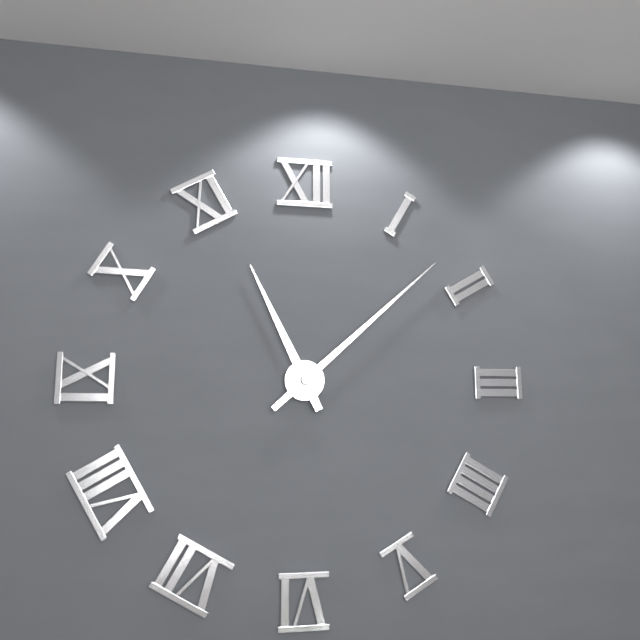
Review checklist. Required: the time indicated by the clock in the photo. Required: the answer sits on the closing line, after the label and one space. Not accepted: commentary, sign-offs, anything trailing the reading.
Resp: 11:08
